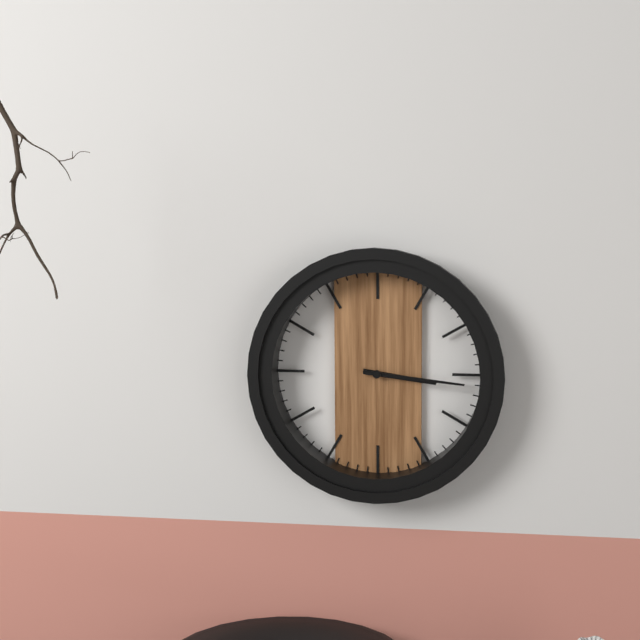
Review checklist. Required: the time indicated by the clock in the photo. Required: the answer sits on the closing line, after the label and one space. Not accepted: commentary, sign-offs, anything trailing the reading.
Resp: 3:16
